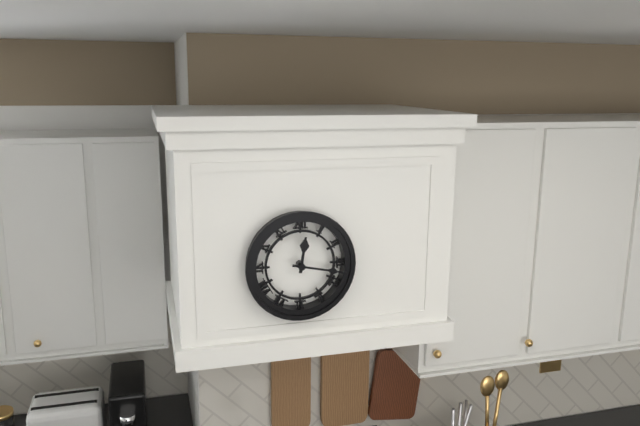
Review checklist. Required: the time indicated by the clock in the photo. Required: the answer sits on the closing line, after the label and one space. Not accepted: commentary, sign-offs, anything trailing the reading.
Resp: 12:17
